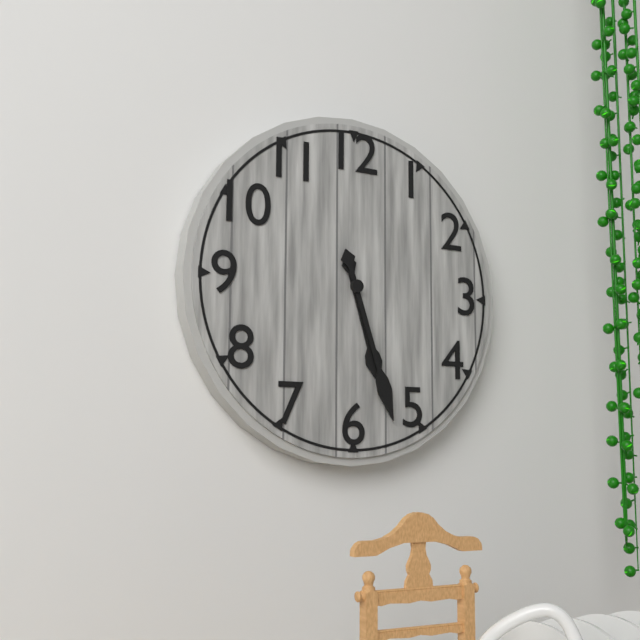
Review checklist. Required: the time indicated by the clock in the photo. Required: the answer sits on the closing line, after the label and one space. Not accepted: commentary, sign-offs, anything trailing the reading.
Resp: 5:27
